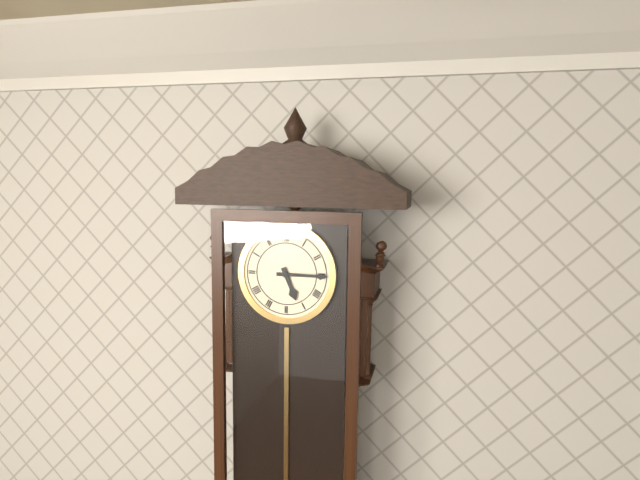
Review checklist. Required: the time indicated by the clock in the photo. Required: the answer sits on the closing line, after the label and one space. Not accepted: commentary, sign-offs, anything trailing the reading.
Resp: 5:15
